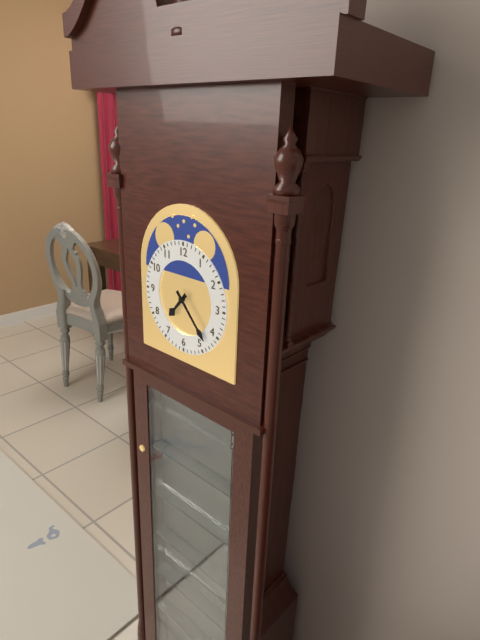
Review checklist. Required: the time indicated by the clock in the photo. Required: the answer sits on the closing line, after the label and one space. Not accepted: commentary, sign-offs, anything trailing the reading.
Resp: 7:23
